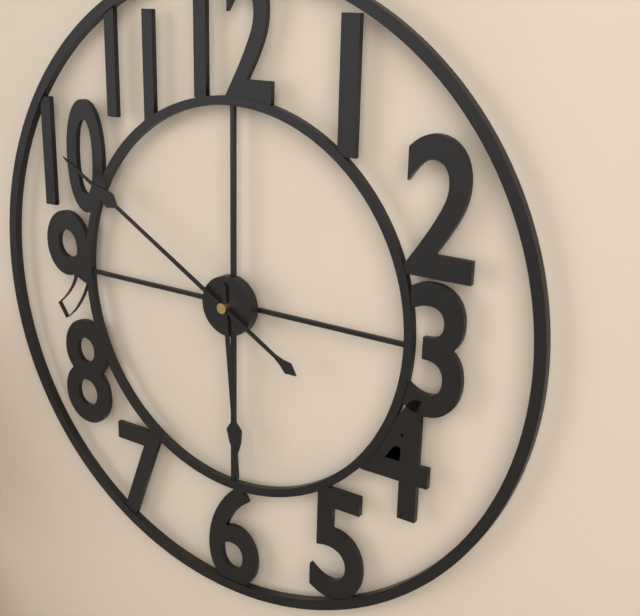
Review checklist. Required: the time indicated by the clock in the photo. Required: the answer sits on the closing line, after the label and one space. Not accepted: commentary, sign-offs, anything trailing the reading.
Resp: 5:50
